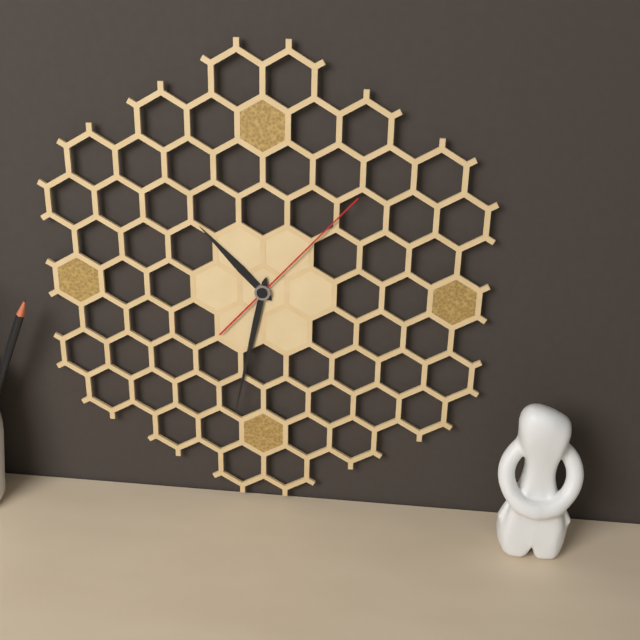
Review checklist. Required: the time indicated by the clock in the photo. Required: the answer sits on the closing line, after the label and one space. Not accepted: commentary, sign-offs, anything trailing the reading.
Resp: 10:32:07
